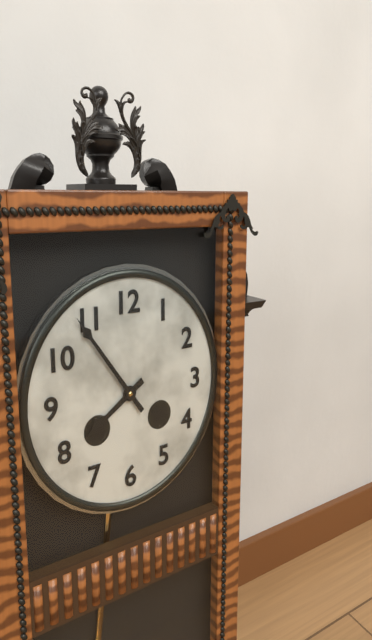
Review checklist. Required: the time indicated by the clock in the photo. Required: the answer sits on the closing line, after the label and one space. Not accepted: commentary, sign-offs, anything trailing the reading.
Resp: 7:54
